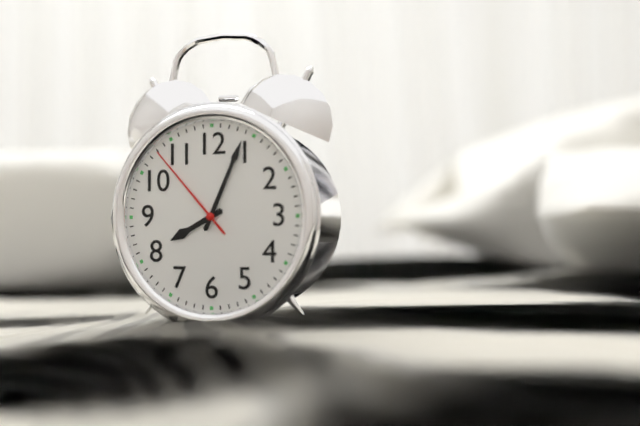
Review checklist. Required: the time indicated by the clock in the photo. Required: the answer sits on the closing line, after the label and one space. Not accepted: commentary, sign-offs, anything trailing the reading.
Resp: 8:04:53
